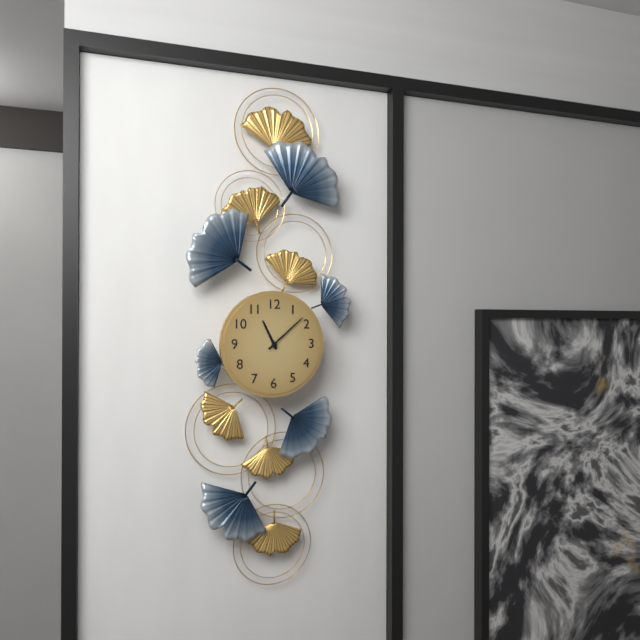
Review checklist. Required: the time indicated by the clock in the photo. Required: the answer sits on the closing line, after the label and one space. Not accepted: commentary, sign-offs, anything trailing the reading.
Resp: 11:08
